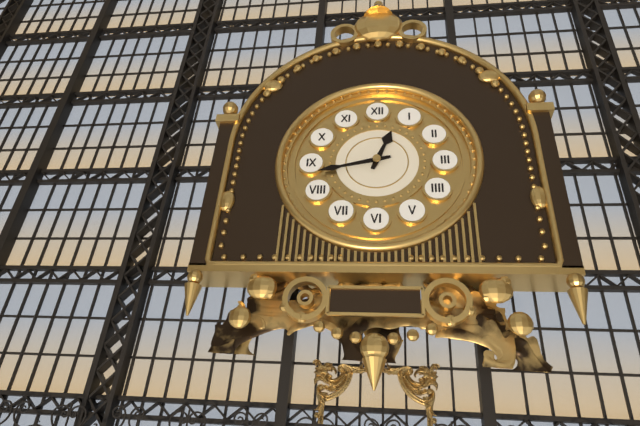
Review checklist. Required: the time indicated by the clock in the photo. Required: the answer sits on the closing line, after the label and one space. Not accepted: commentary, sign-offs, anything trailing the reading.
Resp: 12:43
